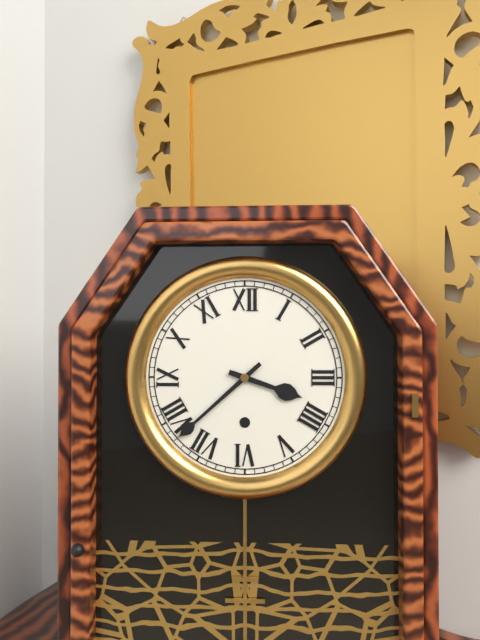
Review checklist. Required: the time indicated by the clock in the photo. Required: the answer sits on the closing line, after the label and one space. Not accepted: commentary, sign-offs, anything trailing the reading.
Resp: 3:38
